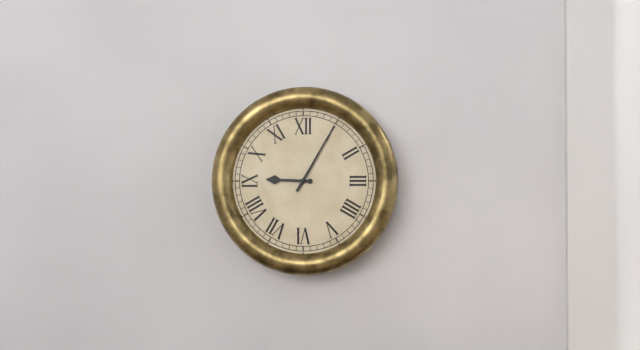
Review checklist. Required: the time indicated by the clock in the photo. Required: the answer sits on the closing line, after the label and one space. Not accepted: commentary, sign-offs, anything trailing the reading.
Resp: 9:05
